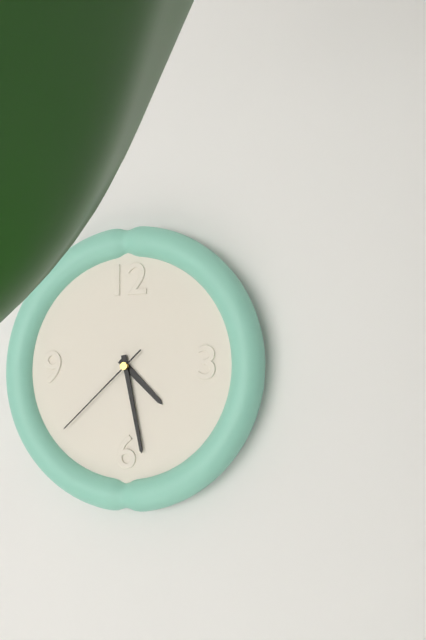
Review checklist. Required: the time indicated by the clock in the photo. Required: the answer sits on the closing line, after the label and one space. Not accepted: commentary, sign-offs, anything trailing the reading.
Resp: 4:28:38
